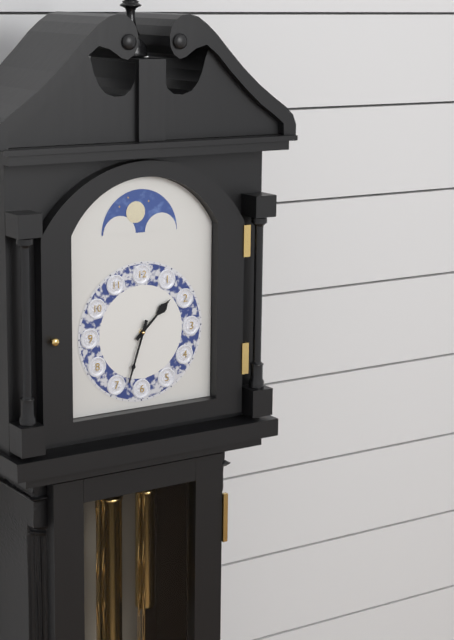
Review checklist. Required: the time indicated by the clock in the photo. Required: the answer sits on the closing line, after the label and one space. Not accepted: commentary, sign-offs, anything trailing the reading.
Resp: 1:33
